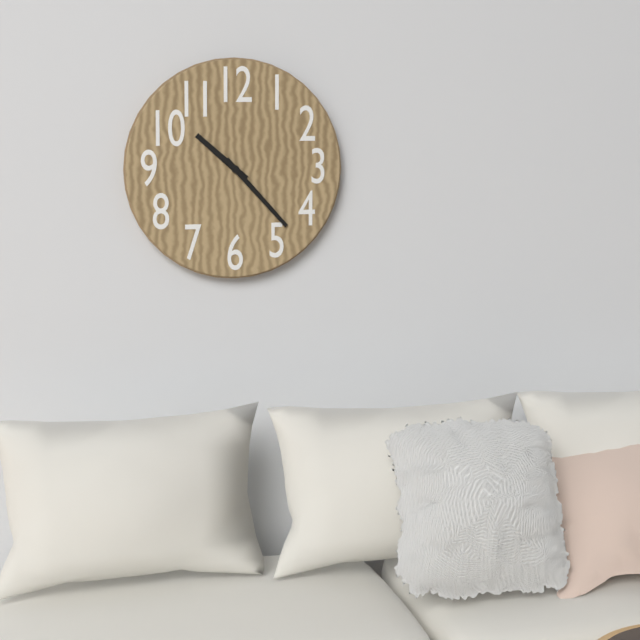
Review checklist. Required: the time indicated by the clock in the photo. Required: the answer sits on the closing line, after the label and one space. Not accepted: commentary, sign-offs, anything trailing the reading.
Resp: 10:23
